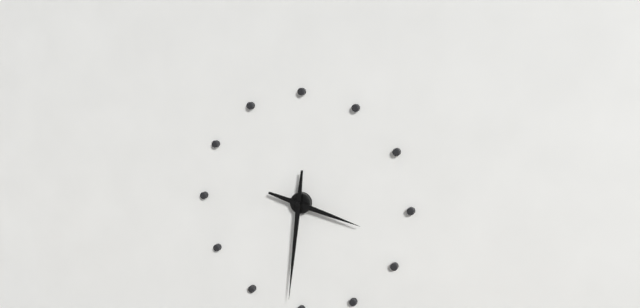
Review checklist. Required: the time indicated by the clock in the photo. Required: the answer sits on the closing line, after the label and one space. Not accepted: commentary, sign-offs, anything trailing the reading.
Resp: 3:31
